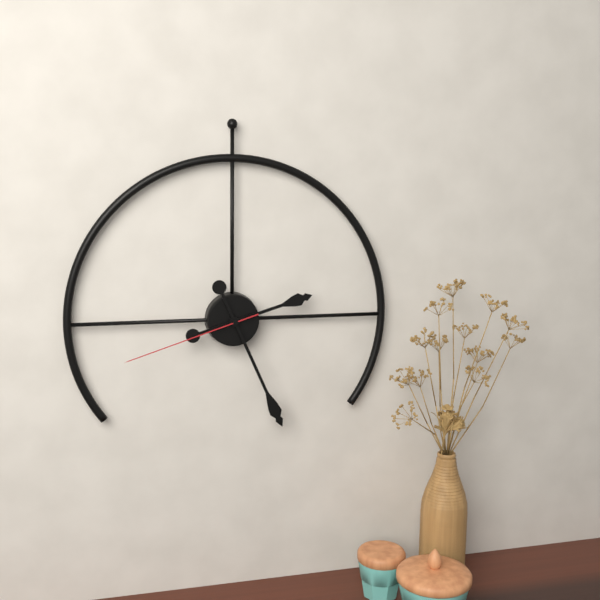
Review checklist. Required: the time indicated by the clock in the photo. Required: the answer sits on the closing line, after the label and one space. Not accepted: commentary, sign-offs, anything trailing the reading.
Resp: 2:26:42
